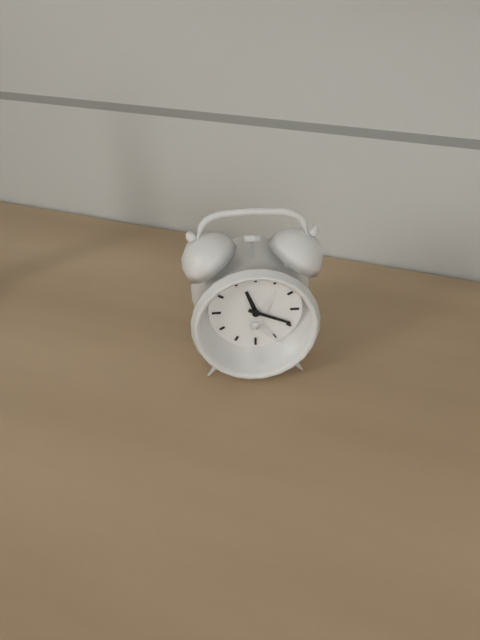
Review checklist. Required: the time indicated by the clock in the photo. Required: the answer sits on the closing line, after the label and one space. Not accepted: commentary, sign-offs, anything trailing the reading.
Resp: 11:19
